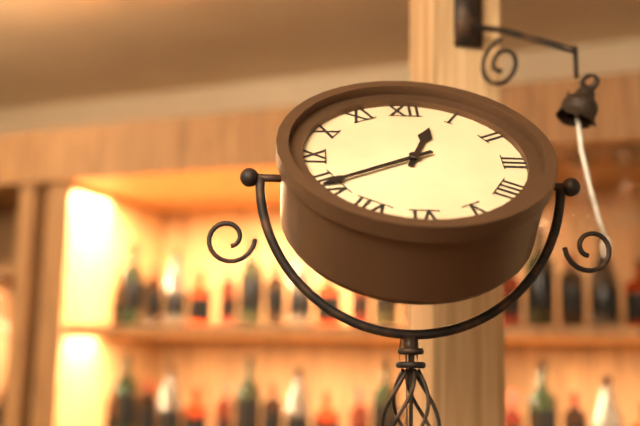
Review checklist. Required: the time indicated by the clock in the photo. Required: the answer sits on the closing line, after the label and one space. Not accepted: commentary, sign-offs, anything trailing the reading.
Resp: 12:40
